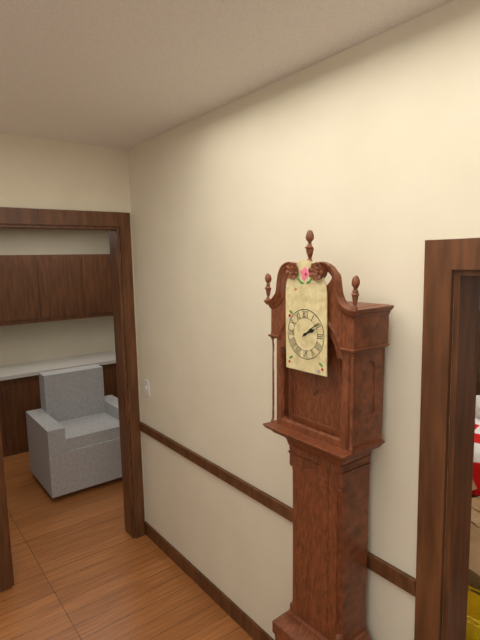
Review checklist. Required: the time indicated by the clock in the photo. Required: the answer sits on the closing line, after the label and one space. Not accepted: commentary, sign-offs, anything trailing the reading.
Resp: 2:09
